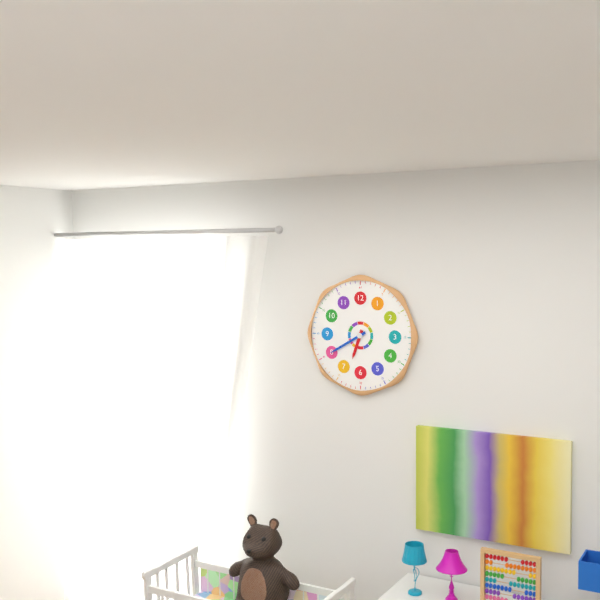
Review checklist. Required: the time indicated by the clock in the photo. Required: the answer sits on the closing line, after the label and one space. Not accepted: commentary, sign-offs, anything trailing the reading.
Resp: 6:40
